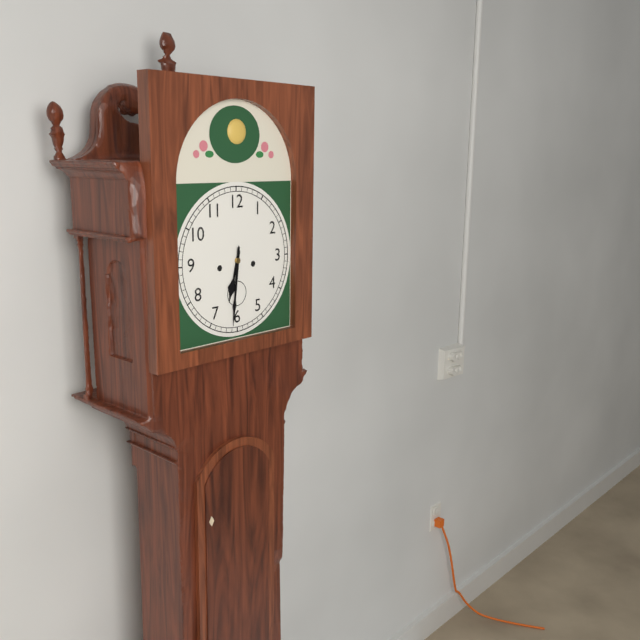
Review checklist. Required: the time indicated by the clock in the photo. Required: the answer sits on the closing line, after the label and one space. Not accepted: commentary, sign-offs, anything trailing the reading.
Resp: 6:31
